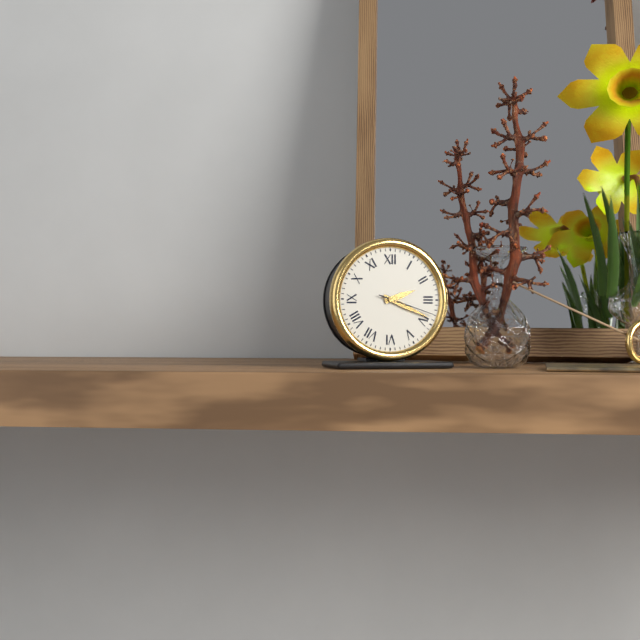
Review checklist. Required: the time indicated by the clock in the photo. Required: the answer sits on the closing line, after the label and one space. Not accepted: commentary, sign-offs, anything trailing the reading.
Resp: 2:19:18
